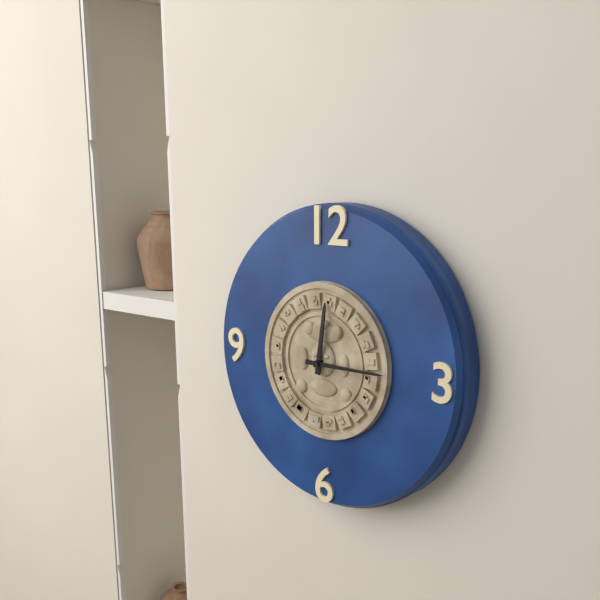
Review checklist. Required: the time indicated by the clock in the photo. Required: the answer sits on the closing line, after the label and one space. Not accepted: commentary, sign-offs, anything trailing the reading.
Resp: 12:15
